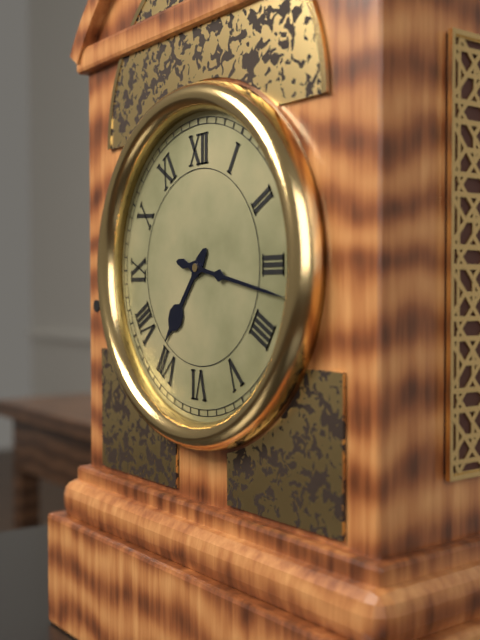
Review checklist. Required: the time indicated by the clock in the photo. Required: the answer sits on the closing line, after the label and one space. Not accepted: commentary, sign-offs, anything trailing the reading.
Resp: 7:17
